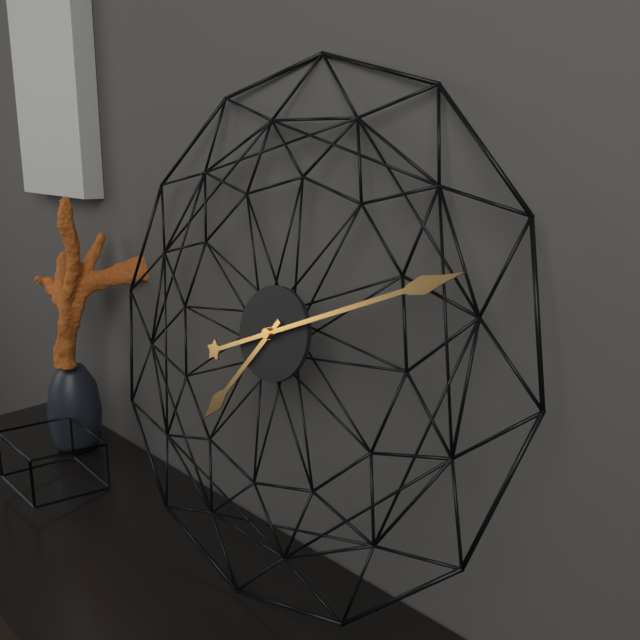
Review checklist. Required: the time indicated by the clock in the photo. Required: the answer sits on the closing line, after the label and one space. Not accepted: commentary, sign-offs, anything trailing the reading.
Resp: 7:11
